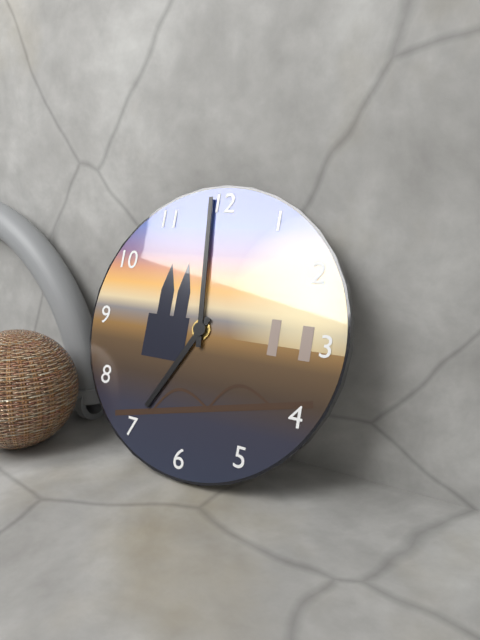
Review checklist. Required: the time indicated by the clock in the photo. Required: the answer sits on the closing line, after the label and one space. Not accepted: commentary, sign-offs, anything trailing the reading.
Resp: 6:59
